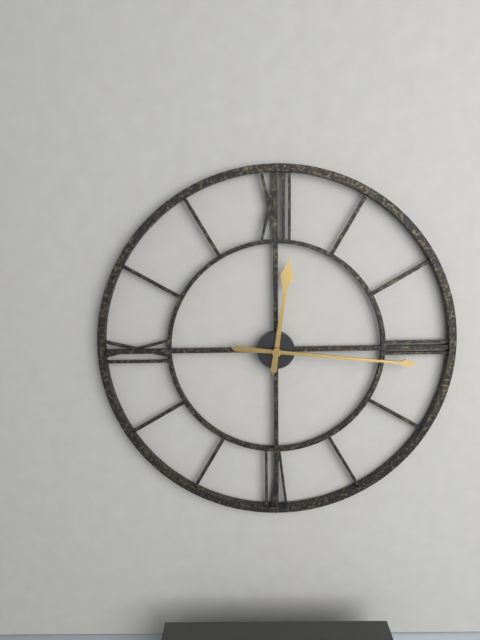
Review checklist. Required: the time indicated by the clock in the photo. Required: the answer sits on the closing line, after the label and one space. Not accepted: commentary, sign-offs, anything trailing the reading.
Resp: 12:16
